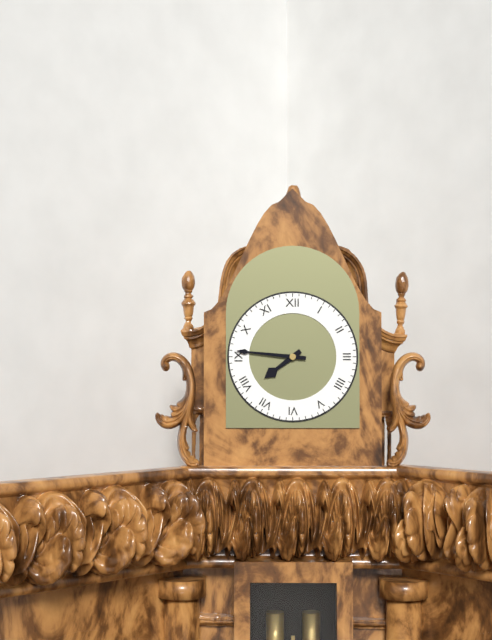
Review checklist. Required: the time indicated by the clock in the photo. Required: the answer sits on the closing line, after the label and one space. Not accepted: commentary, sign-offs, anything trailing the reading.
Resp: 7:46
